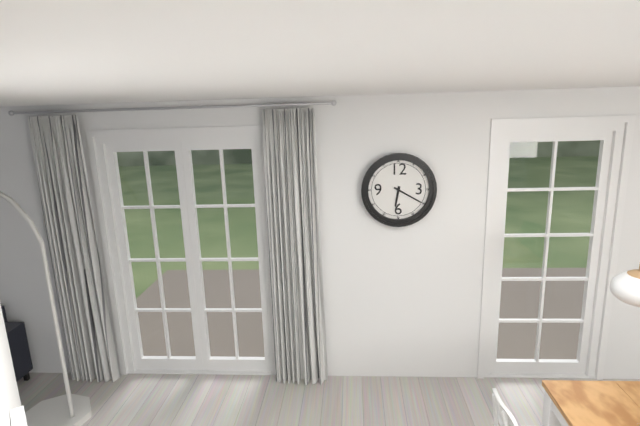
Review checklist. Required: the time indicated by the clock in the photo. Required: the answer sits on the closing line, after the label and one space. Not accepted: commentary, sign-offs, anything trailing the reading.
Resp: 6:20
